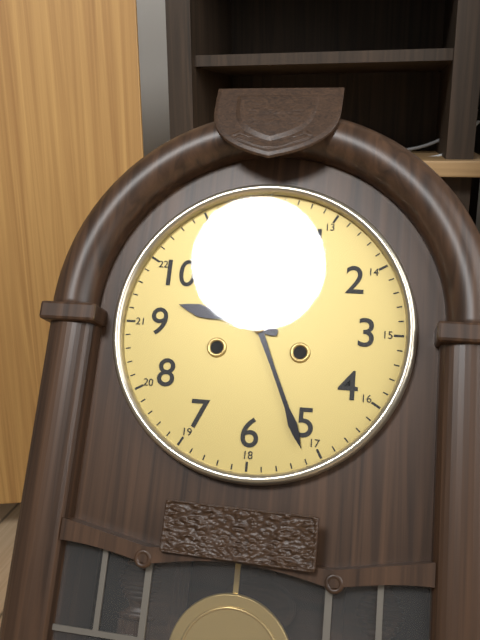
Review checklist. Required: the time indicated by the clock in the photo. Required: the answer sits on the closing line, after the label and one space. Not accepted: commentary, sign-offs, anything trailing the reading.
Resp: 9:26
